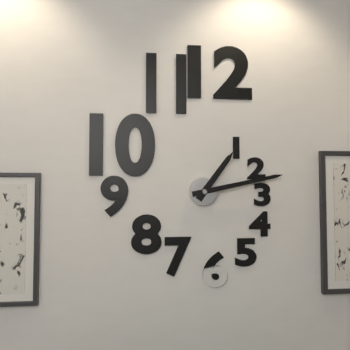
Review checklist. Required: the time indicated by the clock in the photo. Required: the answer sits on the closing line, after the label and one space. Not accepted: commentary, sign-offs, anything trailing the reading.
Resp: 1:13
